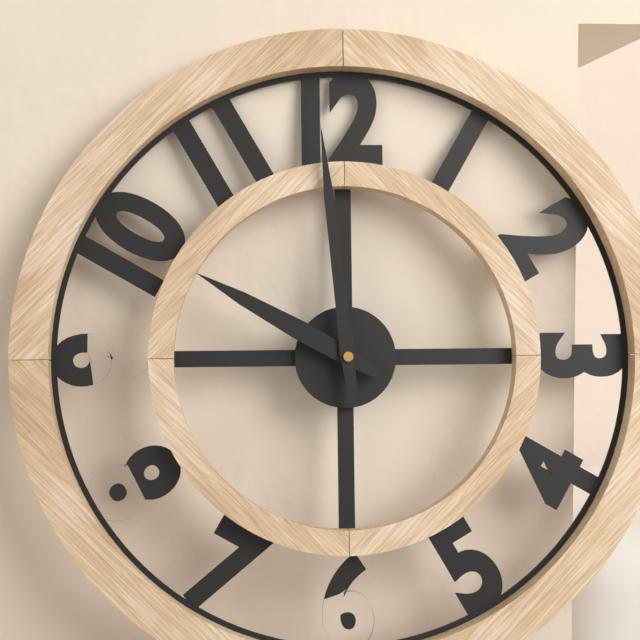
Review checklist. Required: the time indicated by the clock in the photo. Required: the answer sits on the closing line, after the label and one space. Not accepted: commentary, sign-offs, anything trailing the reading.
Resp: 9:59
